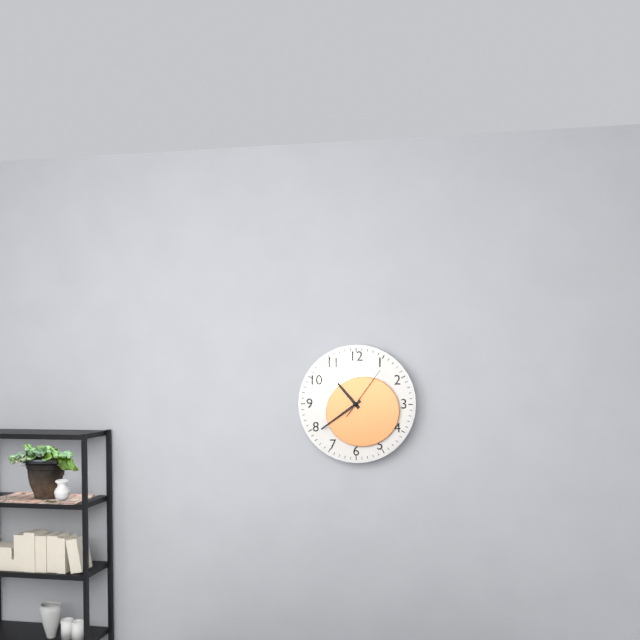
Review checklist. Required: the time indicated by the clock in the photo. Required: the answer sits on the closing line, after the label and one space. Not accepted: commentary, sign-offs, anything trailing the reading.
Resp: 10:39:06
